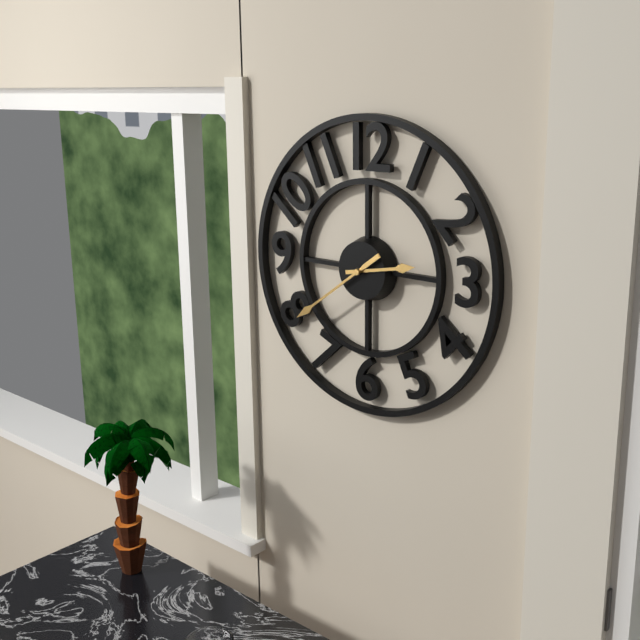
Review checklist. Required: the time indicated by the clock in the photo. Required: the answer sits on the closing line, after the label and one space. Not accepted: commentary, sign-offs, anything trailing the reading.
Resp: 2:39
